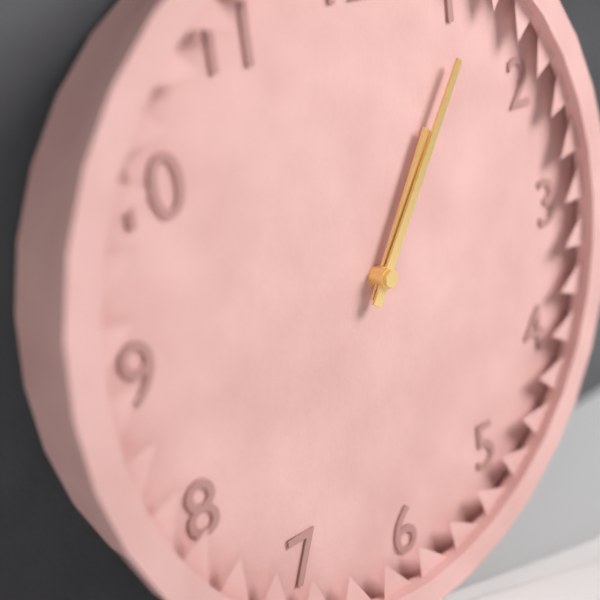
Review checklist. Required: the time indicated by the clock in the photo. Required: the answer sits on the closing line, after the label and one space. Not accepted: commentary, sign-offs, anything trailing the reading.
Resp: 1:06
